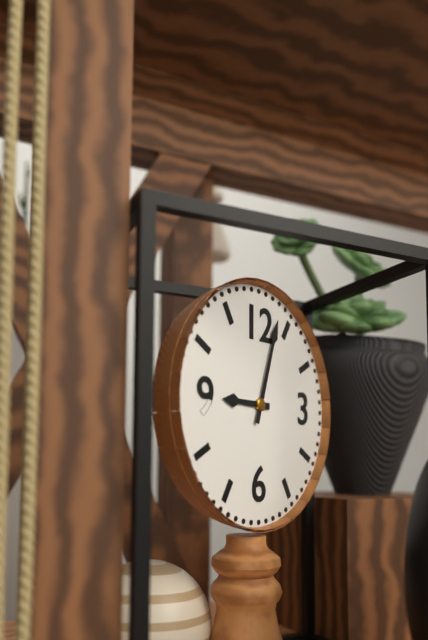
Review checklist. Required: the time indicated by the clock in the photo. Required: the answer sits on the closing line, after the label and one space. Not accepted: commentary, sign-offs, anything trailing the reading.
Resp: 9:03
